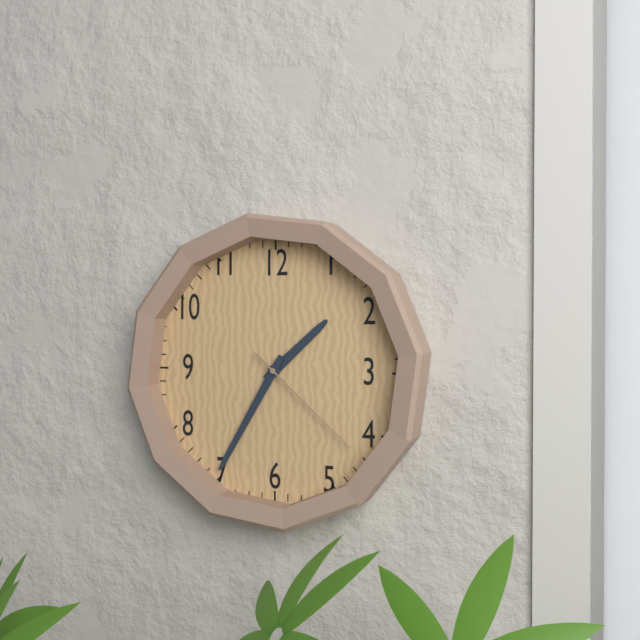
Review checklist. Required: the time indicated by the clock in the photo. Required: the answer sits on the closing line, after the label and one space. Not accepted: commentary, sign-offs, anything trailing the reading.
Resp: 1:35:22
